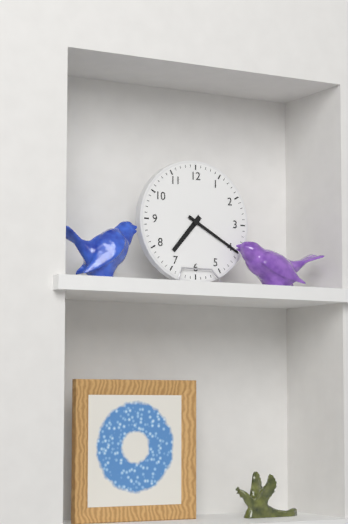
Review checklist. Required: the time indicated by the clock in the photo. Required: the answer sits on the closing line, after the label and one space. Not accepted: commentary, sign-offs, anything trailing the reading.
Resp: 7:20
